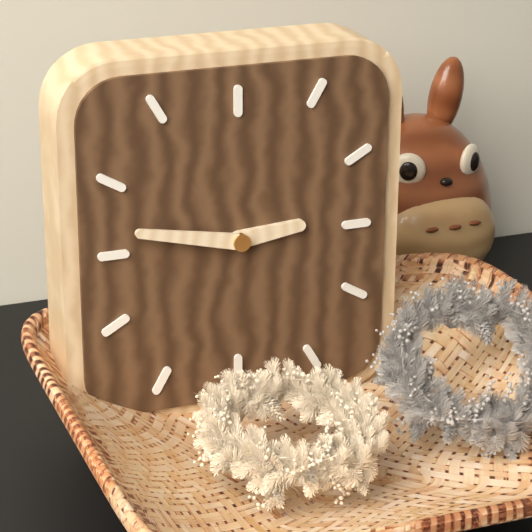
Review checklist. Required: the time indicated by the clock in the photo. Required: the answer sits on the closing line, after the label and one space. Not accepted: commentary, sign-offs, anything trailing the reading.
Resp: 2:47
